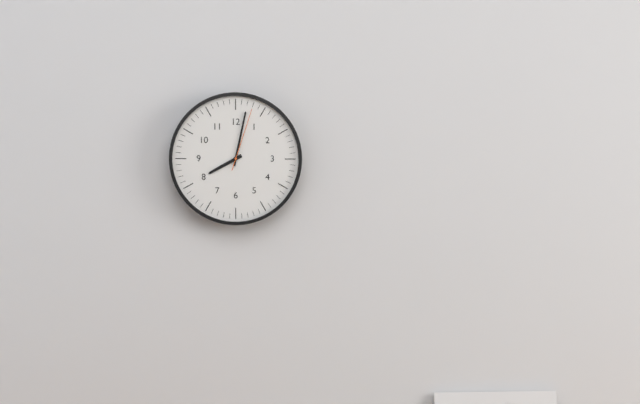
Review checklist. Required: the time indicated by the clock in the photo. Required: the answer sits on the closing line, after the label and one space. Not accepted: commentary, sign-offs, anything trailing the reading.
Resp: 8:02:03
